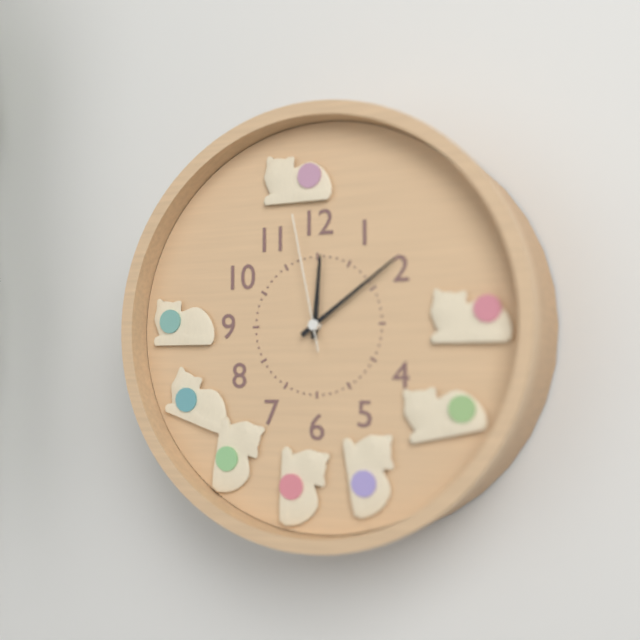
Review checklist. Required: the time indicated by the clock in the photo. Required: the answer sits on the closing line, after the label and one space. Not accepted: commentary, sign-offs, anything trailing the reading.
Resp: 12:09:58
